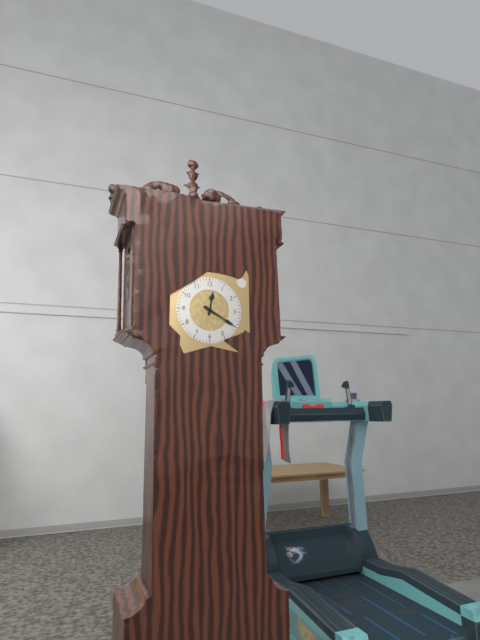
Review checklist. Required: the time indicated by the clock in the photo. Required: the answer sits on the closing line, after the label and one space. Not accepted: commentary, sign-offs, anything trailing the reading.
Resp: 12:20
